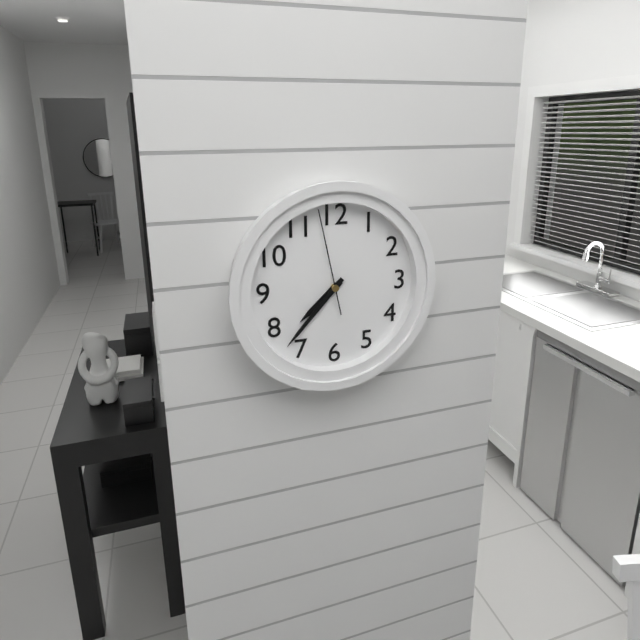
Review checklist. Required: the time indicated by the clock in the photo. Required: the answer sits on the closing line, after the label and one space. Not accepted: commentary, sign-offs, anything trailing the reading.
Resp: 7:37:58
